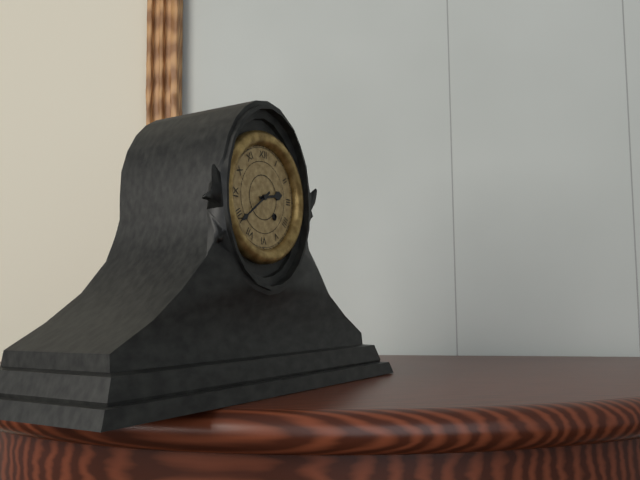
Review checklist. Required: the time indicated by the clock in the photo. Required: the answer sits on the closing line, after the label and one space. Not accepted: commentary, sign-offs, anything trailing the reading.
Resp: 2:39
